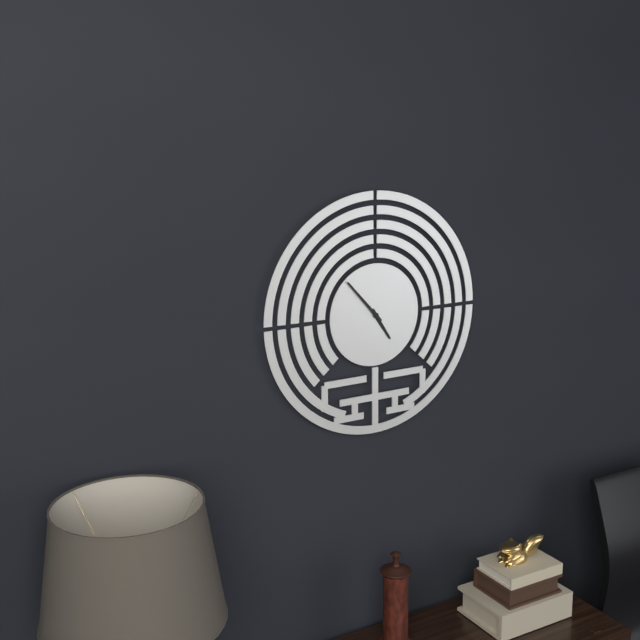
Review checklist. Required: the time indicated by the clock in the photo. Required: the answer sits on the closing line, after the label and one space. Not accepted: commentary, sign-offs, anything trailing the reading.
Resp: 4:53
